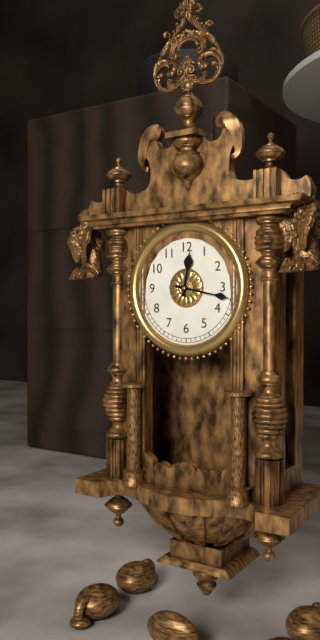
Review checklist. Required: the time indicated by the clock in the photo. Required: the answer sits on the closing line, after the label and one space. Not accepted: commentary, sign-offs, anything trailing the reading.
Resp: 12:17
